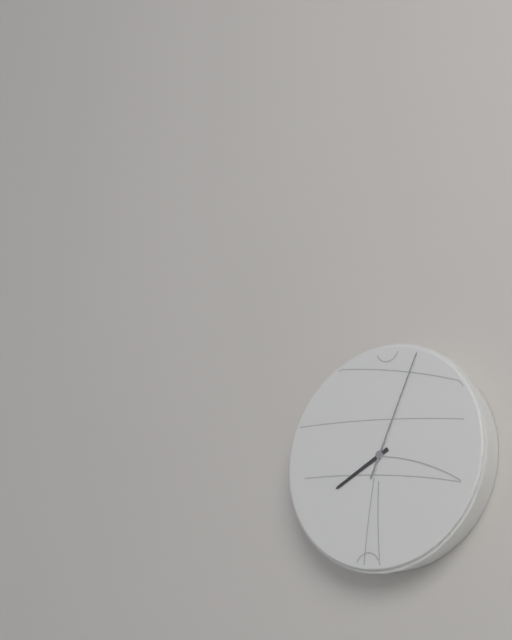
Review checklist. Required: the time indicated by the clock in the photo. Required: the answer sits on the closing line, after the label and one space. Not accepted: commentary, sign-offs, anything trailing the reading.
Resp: 8:04
